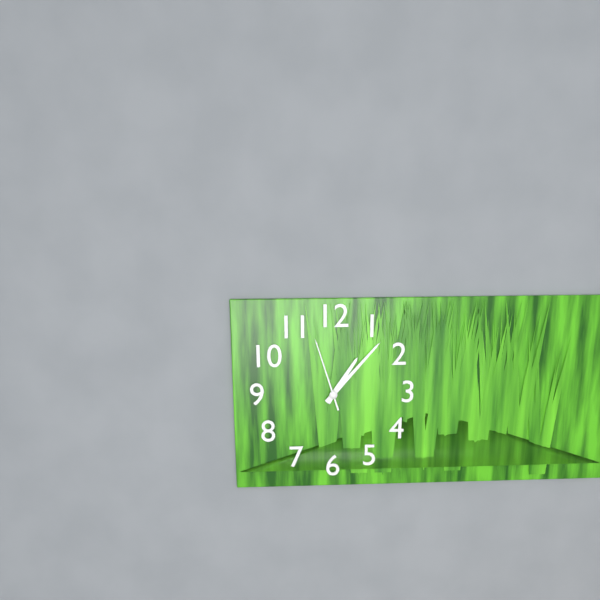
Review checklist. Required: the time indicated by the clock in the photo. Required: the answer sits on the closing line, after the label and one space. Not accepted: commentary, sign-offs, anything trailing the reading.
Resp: 1:07:57
